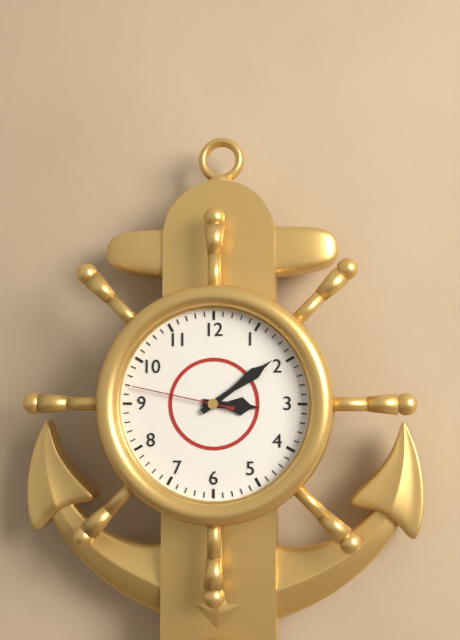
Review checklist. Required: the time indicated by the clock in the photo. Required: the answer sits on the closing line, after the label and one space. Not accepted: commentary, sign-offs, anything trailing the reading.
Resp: 3:09:47
